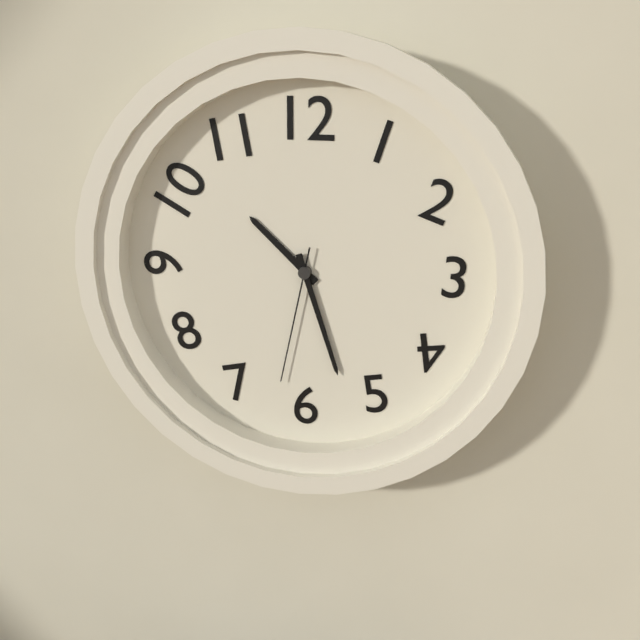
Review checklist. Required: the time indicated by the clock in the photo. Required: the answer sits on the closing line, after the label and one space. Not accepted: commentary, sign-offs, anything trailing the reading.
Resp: 10:27:32
